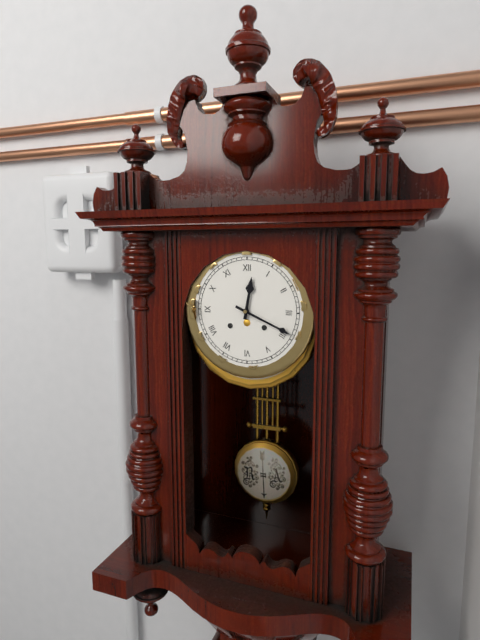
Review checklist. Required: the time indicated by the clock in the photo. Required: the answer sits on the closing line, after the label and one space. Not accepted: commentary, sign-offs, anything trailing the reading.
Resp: 12:19
